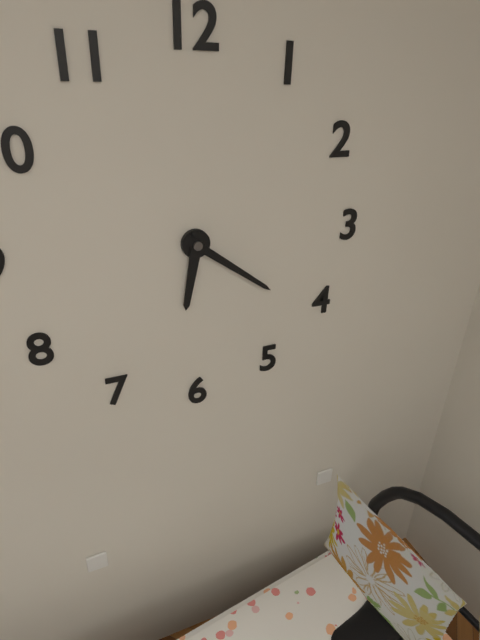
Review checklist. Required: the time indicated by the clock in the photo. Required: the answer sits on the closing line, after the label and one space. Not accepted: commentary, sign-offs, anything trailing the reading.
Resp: 6:21
